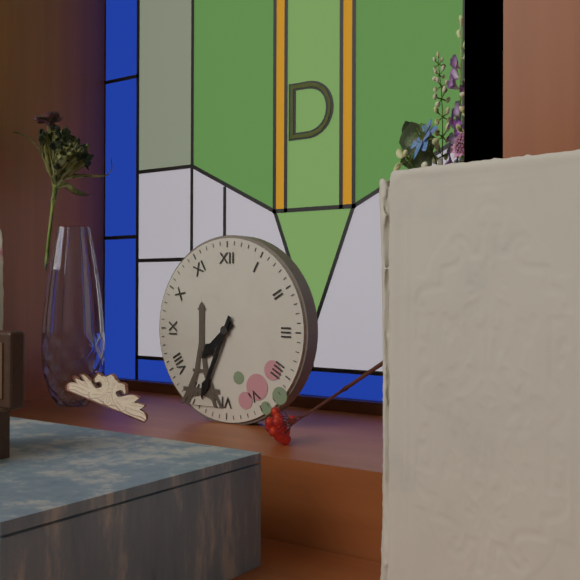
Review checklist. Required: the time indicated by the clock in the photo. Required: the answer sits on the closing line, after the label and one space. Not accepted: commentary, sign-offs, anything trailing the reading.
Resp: 7:34
